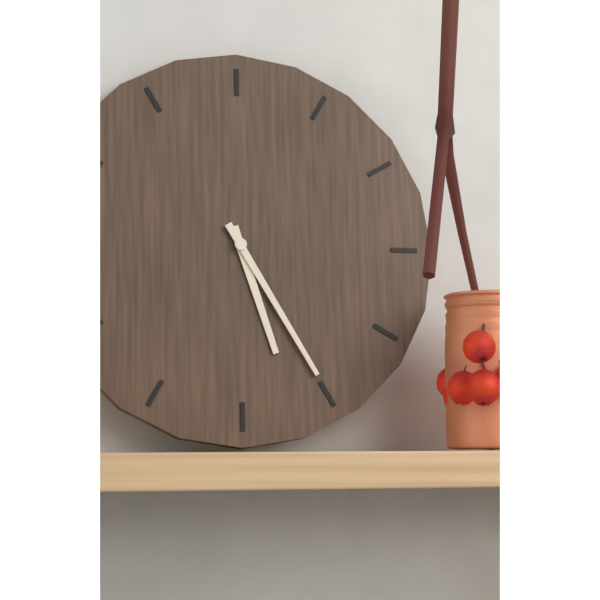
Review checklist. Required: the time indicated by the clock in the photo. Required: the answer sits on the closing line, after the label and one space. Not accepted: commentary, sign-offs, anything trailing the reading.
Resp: 5:25
